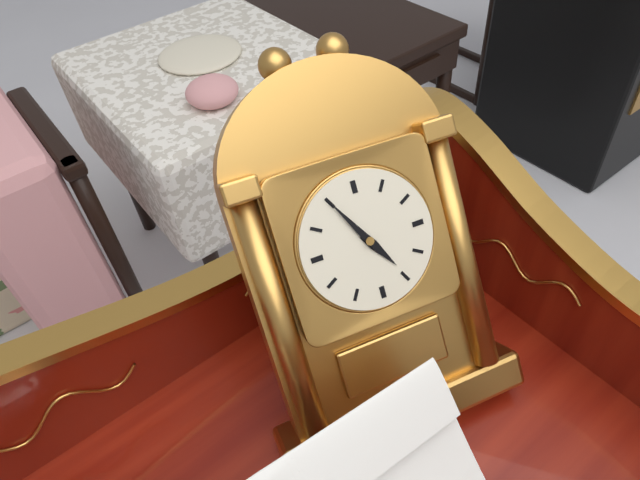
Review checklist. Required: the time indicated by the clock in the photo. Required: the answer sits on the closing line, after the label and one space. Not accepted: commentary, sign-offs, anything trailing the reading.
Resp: 4:55
